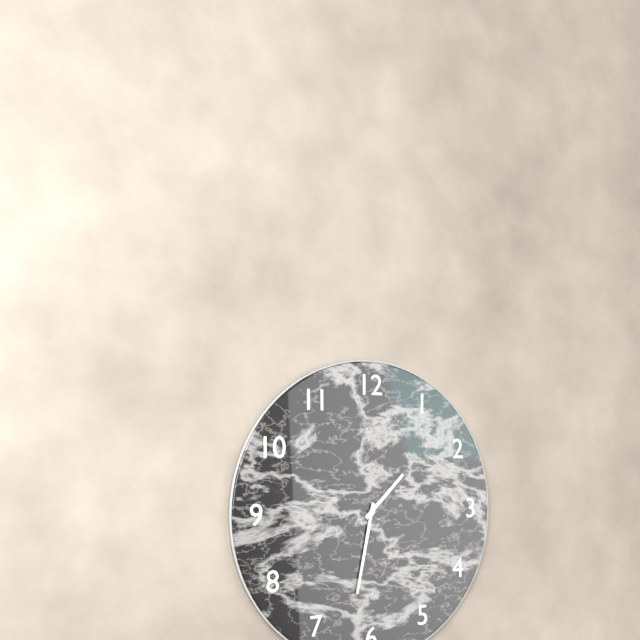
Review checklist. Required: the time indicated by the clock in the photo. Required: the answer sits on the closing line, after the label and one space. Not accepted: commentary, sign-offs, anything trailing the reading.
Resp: 1:32
